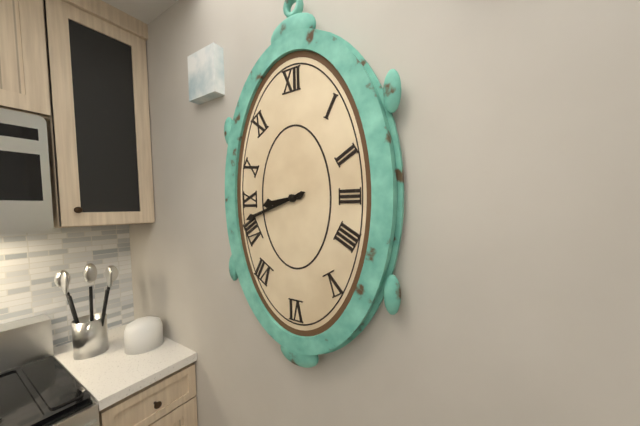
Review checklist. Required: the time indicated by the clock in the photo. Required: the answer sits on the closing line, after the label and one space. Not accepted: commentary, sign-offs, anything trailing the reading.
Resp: 8:42
